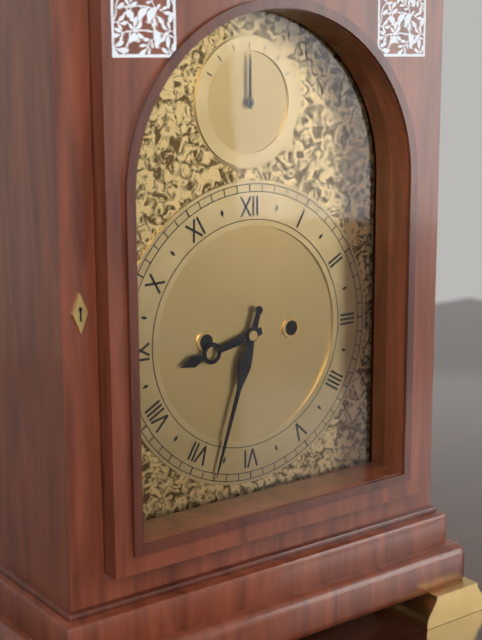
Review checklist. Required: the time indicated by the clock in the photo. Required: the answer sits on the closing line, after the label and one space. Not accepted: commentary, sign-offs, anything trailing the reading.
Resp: 8:33
